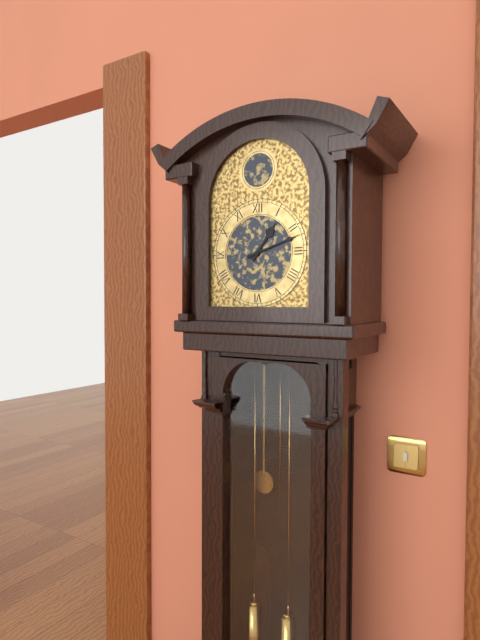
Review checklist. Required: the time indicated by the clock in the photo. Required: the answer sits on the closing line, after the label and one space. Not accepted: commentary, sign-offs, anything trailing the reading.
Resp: 1:12
